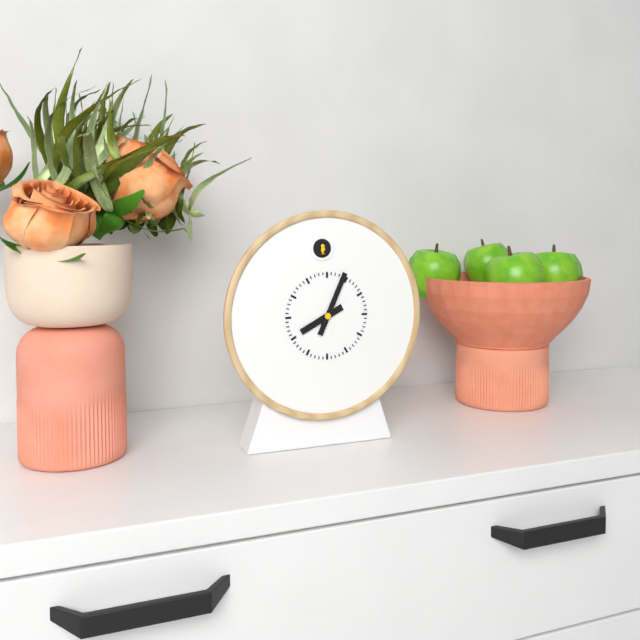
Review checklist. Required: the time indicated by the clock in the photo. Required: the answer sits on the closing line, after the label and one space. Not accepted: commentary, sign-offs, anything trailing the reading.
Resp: 8:04
